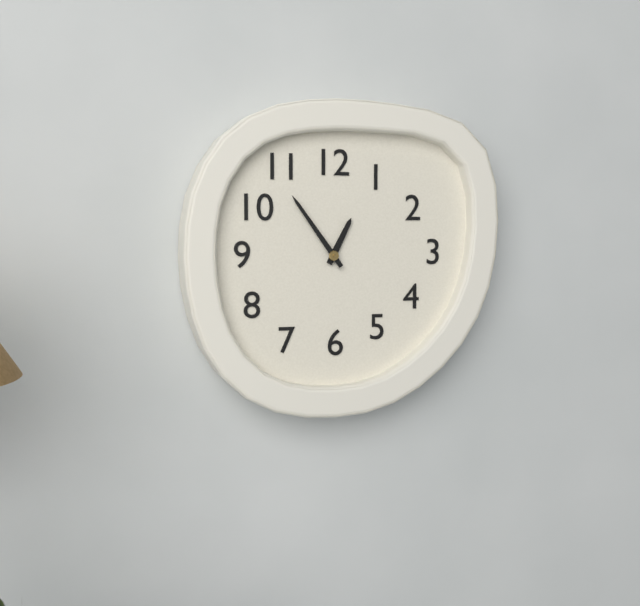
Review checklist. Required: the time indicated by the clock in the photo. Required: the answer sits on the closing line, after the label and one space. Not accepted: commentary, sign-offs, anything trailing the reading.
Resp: 12:54
